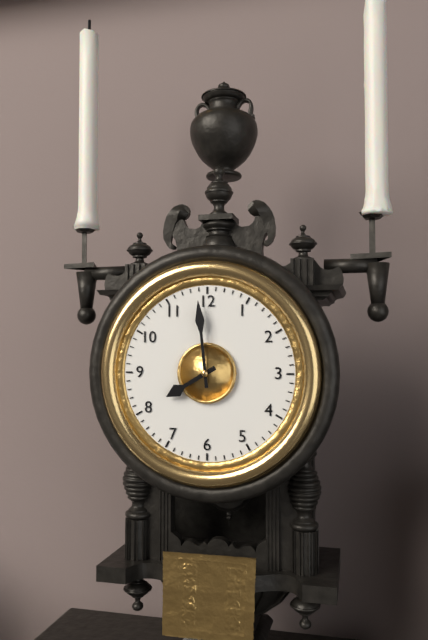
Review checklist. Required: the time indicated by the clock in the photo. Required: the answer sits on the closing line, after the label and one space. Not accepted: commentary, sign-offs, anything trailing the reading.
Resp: 7:59
